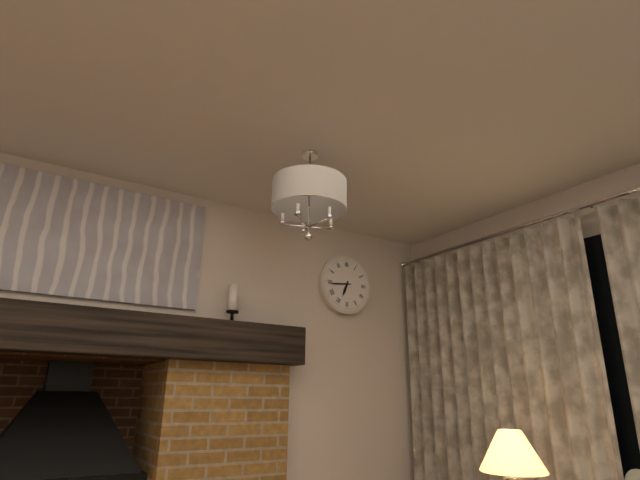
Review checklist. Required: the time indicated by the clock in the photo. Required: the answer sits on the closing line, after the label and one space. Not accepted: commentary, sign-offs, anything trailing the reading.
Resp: 6:44
